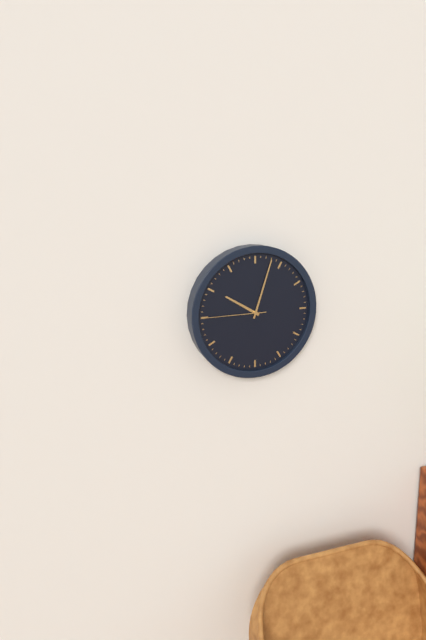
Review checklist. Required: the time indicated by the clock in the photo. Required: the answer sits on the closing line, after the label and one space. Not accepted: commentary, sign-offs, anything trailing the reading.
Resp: 10:03:45
